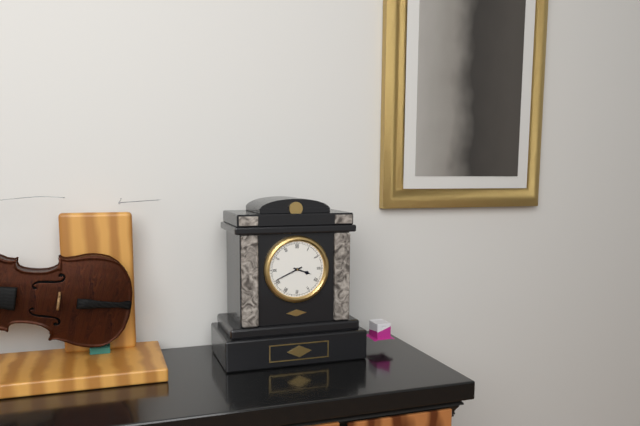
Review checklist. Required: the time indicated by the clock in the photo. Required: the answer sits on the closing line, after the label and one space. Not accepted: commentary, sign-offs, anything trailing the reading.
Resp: 3:41
